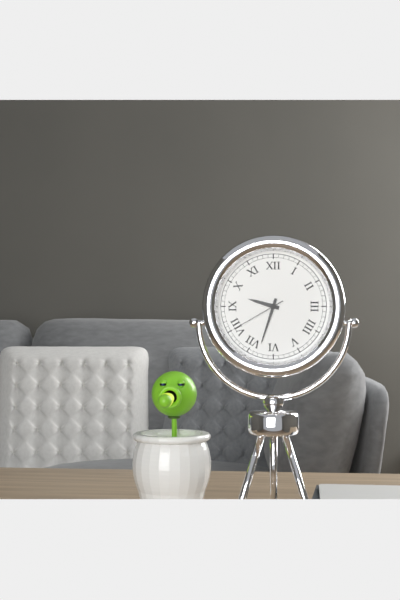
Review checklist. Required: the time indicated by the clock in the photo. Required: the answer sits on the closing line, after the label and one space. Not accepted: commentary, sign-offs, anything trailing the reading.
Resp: 9:33:40
